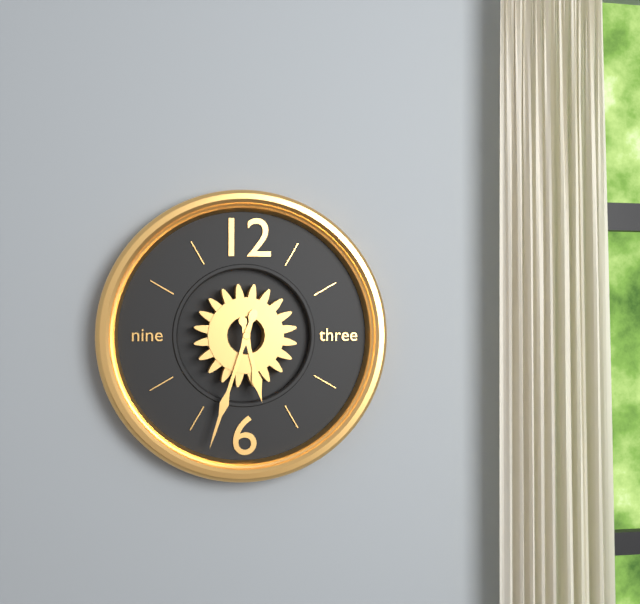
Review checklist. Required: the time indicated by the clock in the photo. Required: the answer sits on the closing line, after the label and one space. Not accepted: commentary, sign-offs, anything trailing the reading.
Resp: 5:33
